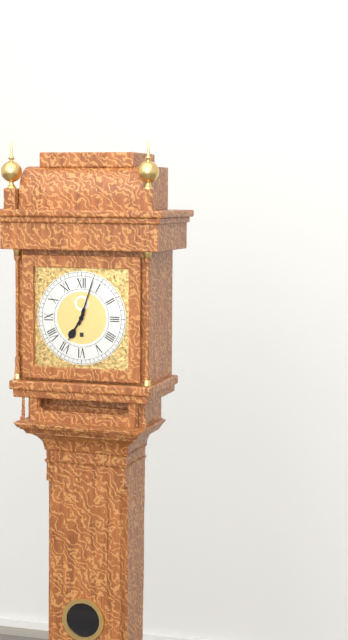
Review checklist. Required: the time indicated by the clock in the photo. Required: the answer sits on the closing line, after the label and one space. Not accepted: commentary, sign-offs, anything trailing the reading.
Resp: 7:03
